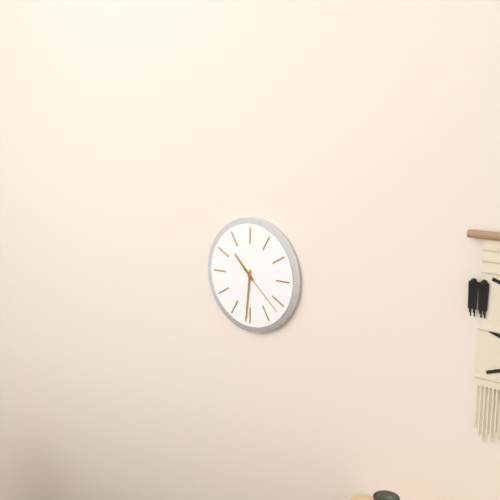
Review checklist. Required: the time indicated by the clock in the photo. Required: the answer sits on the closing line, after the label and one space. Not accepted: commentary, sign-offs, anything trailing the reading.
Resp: 10:31:22
